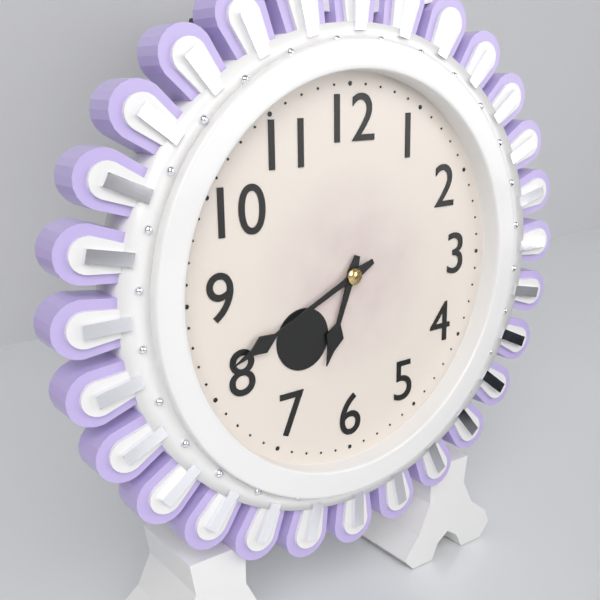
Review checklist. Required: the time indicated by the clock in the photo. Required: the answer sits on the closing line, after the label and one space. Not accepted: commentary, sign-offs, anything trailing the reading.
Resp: 6:41
